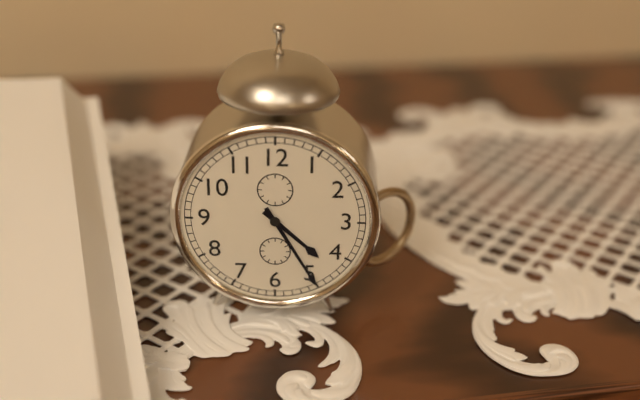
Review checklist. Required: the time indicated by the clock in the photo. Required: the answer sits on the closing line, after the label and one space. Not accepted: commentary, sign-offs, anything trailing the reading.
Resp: 4:25
